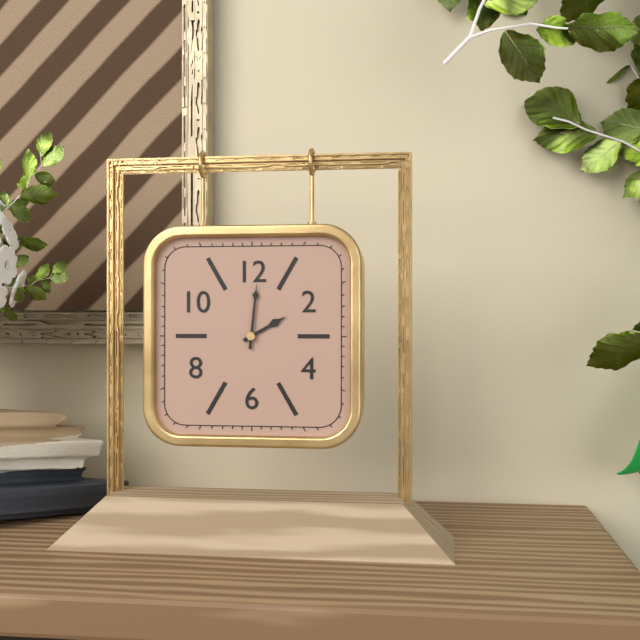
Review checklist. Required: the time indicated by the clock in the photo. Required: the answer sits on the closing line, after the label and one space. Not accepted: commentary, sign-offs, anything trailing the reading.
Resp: 2:01
